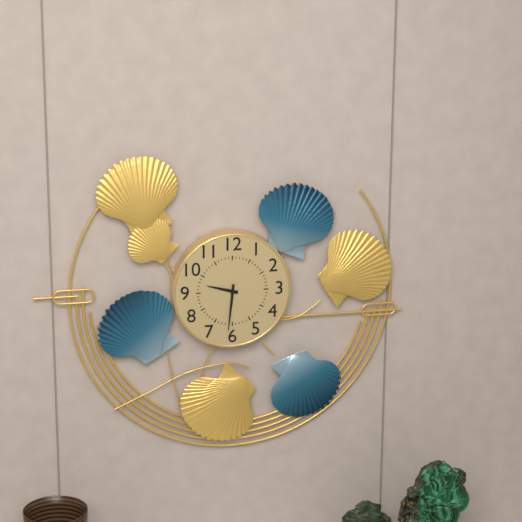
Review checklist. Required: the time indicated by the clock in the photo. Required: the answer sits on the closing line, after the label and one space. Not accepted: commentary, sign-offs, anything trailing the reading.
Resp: 9:31
